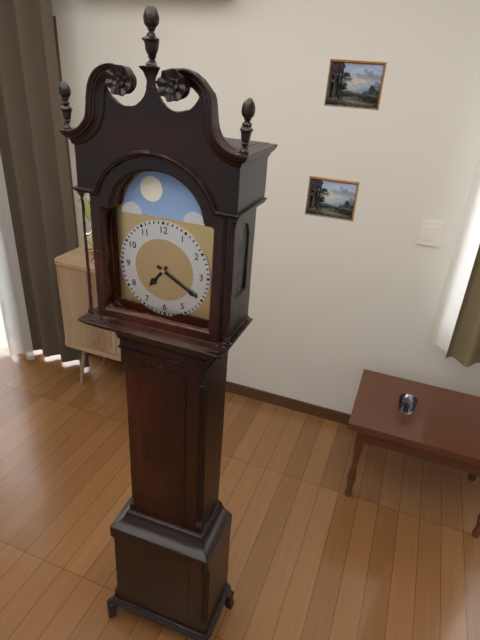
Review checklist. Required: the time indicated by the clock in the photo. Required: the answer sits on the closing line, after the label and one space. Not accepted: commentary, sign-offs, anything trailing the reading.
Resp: 7:20
